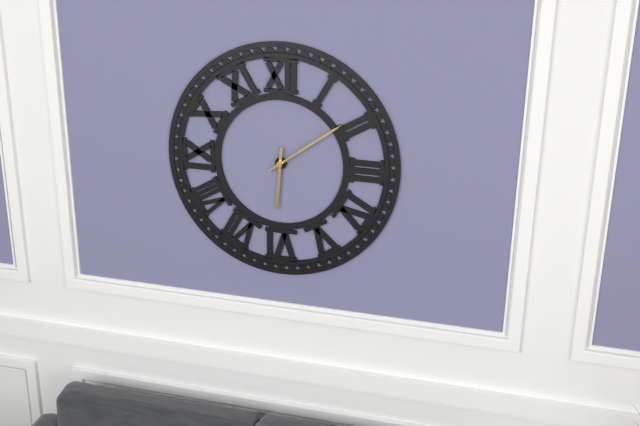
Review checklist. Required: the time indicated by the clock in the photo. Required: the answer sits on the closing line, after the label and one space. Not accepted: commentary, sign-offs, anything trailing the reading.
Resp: 6:09
